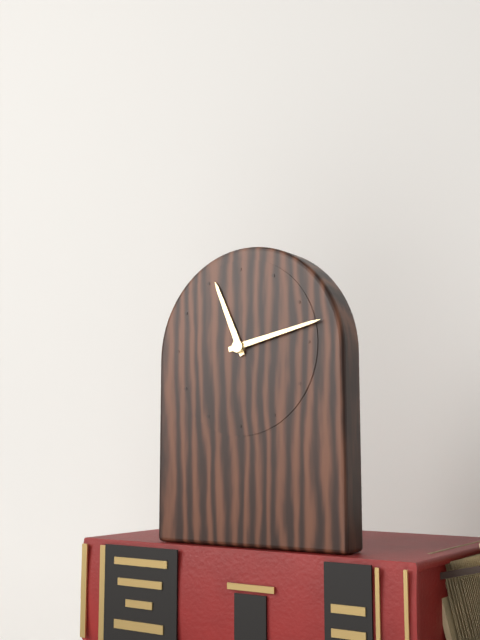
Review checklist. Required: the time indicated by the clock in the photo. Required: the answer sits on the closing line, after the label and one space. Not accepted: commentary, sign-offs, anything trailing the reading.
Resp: 11:13
